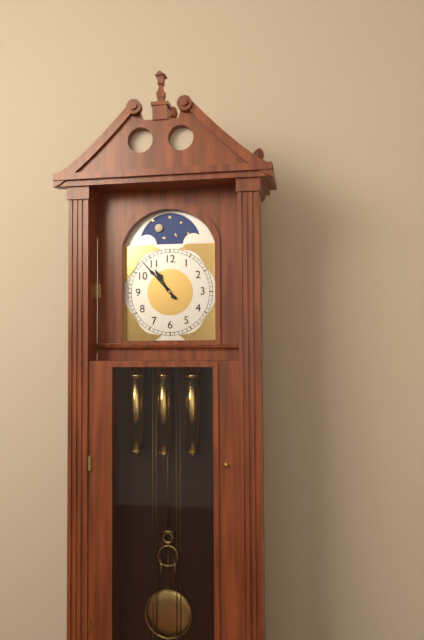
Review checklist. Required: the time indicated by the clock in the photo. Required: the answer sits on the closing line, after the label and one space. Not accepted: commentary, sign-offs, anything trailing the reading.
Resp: 10:53
